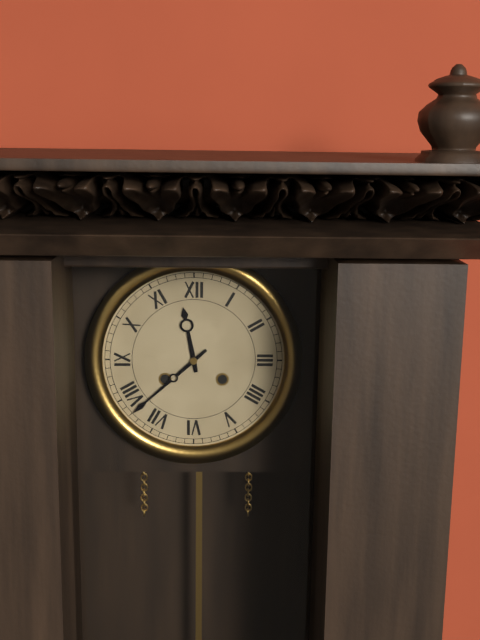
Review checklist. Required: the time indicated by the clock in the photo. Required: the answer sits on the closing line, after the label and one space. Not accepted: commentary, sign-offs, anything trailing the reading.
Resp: 11:38
